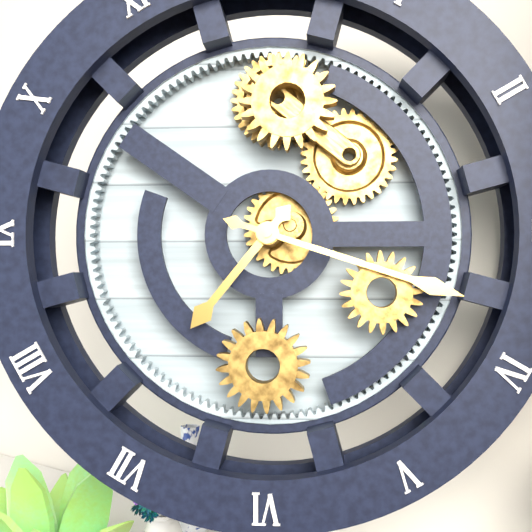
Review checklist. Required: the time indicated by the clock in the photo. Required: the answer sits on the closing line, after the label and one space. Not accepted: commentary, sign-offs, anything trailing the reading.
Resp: 7:18
